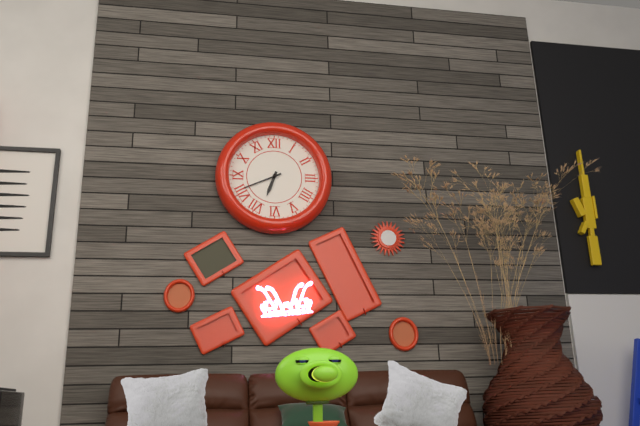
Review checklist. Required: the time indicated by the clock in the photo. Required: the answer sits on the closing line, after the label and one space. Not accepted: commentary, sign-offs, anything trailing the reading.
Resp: 6:41
